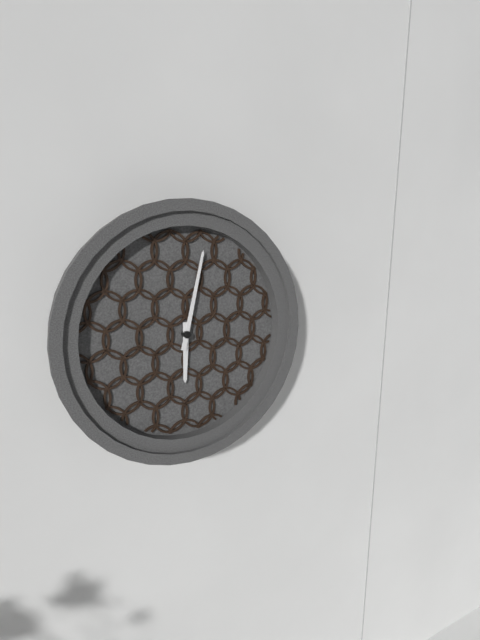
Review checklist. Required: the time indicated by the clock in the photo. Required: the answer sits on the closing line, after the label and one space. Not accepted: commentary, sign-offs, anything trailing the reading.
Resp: 6:02
